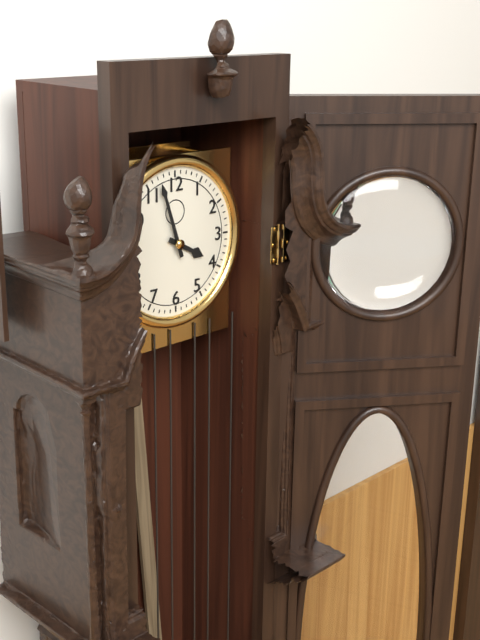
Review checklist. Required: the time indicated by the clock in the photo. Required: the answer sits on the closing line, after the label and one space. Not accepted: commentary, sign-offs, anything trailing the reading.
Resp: 3:57
